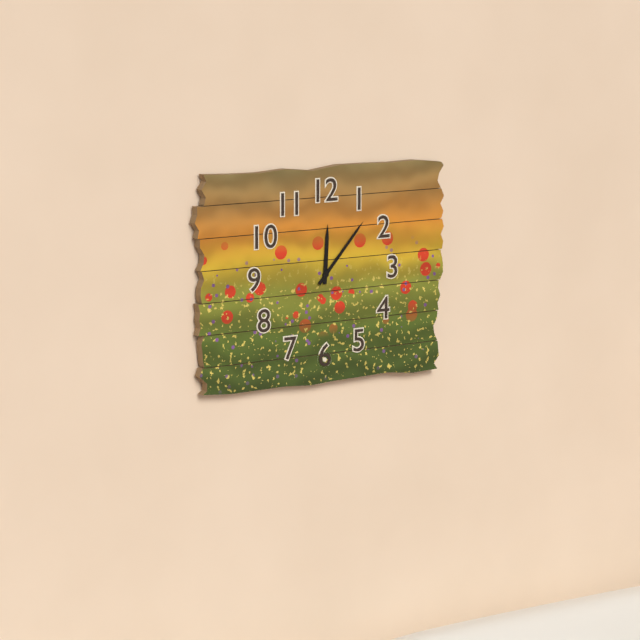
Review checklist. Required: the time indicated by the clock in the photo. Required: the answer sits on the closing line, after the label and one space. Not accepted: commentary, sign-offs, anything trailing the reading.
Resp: 12:07
